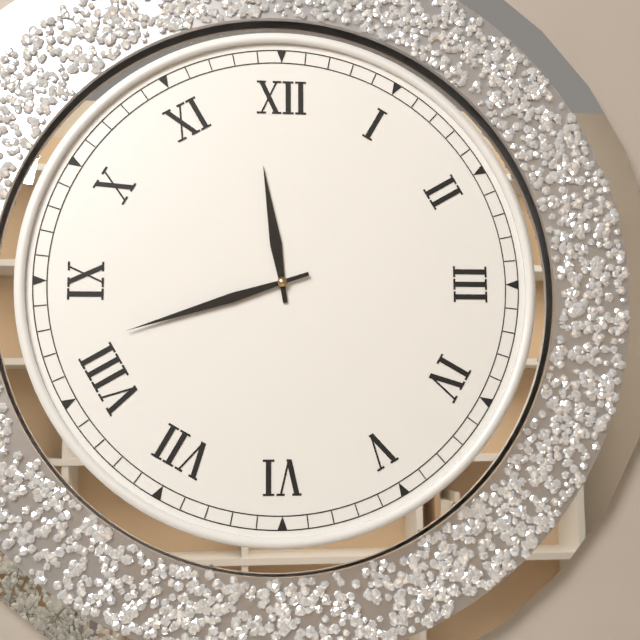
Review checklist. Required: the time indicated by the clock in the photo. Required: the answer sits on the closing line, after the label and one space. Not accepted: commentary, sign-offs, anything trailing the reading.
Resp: 11:42
